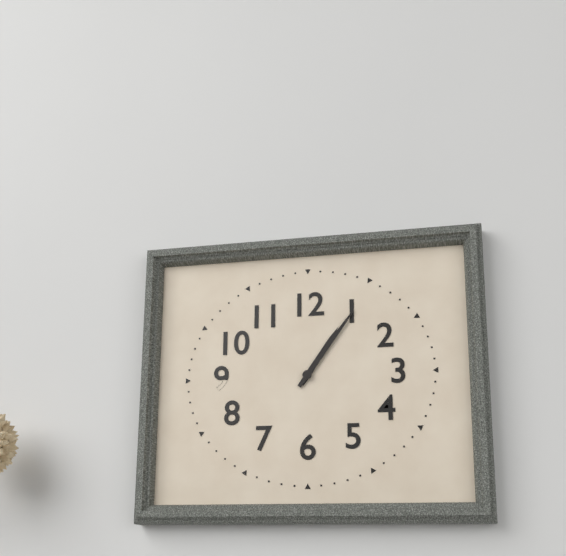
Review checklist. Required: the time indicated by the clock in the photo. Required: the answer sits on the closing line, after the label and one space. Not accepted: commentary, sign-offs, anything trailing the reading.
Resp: 1:06
